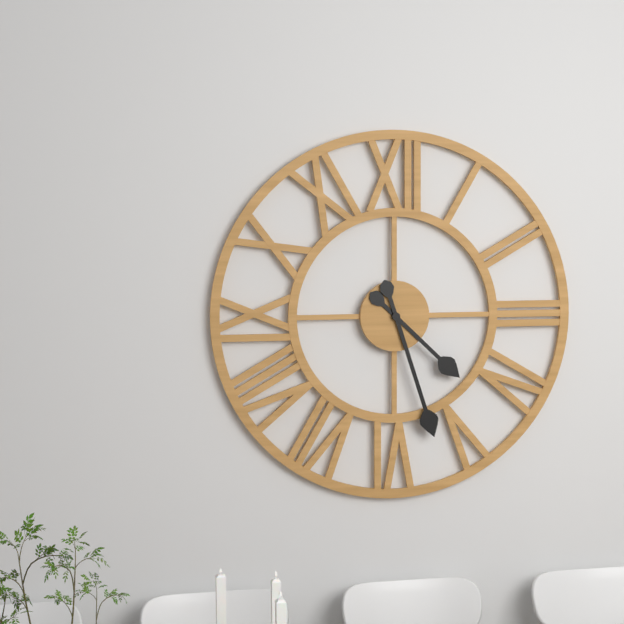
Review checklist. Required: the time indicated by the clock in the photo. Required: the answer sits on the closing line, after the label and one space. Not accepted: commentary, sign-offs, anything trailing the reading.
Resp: 4:27
